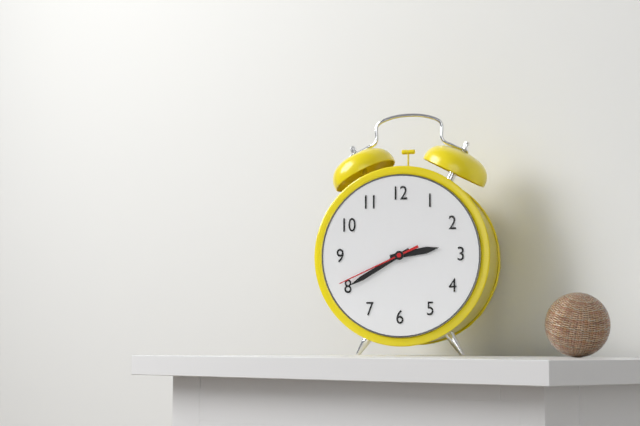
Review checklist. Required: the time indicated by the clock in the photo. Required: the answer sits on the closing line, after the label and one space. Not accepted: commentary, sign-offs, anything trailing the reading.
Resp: 2:40:41
